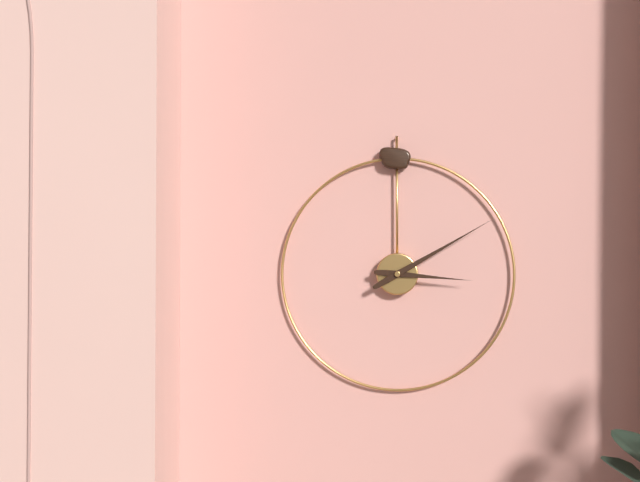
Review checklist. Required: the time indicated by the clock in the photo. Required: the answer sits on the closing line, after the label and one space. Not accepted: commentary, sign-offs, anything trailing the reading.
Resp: 3:10
